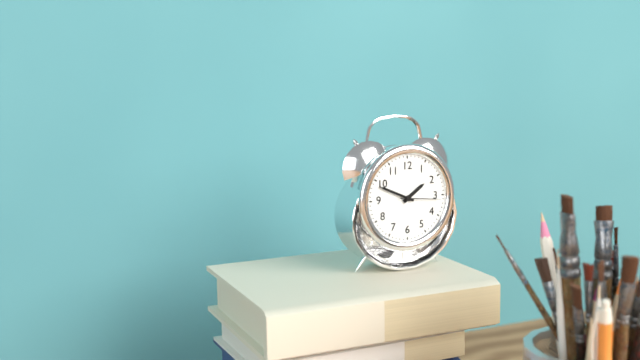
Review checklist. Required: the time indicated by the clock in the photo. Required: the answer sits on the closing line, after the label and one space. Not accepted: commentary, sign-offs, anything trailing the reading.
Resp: 1:49
